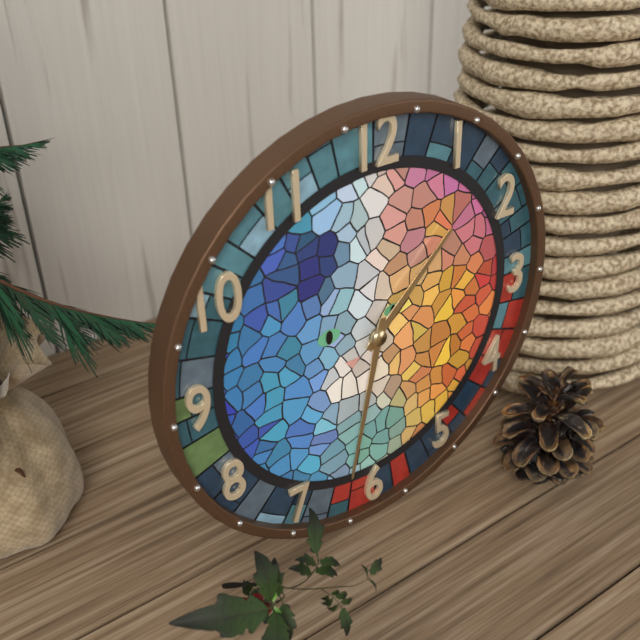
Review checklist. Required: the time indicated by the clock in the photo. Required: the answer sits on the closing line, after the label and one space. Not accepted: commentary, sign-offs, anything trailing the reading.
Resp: 1:32
